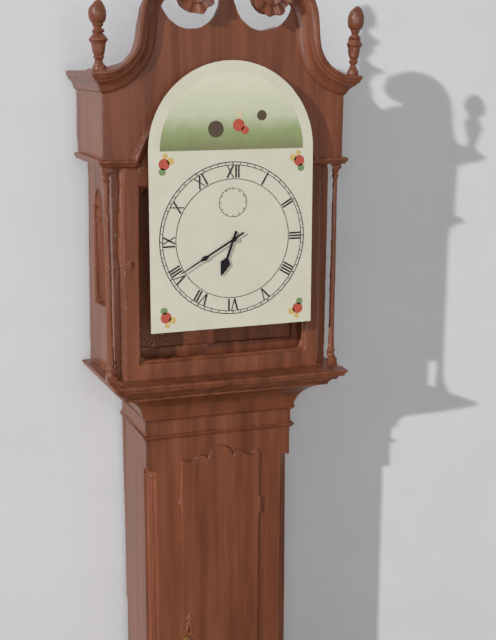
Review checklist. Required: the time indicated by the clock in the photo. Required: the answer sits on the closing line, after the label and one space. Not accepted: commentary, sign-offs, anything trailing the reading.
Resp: 6:40
